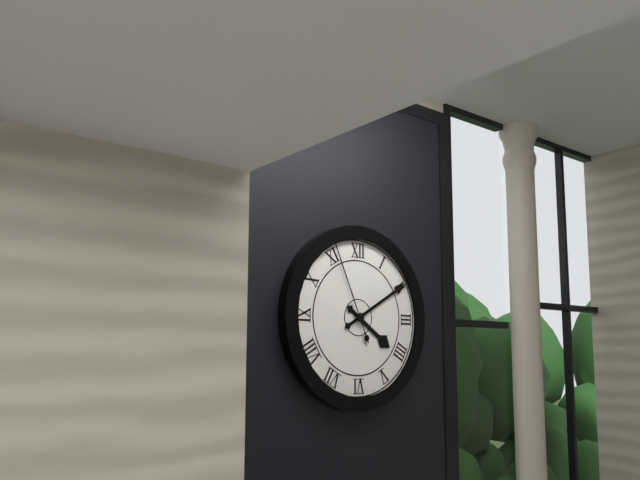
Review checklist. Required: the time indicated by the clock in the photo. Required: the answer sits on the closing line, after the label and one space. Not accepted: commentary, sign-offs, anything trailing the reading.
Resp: 4:10:56
